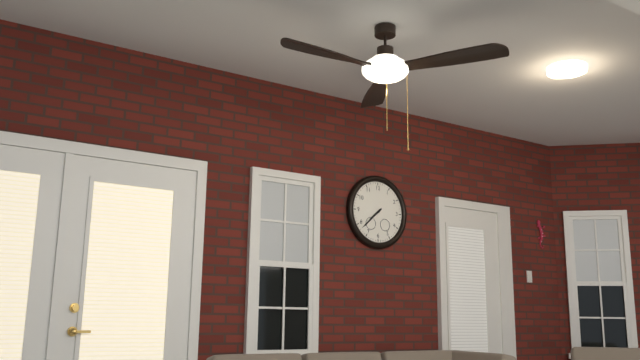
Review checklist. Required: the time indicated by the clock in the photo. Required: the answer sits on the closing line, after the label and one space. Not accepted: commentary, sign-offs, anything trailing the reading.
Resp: 7:38
